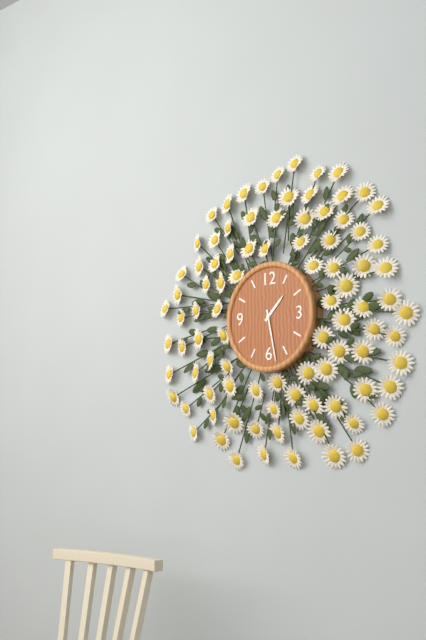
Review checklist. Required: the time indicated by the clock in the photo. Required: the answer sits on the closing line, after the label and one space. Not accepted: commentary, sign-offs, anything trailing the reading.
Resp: 1:28
